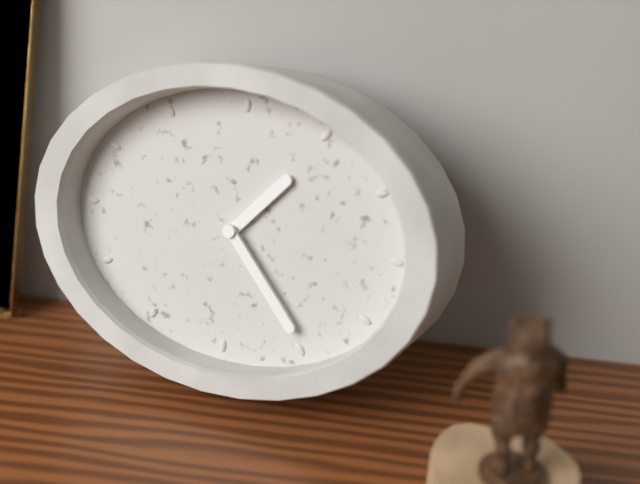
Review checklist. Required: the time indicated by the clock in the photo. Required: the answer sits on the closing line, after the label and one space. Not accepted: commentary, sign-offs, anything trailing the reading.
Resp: 1:23
